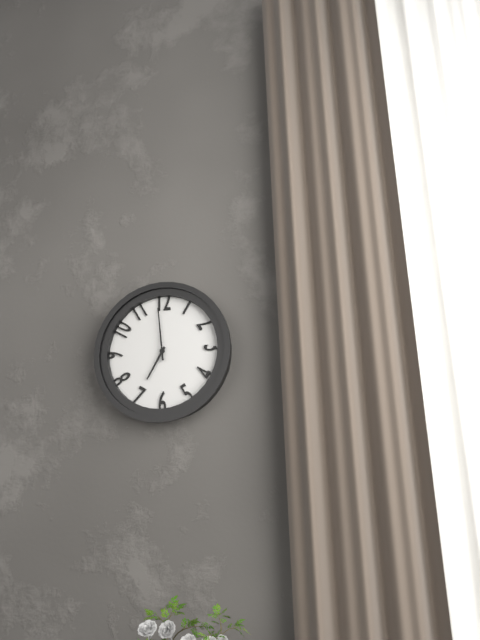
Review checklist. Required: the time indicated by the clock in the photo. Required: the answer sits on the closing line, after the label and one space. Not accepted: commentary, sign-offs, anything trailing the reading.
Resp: 6:59
